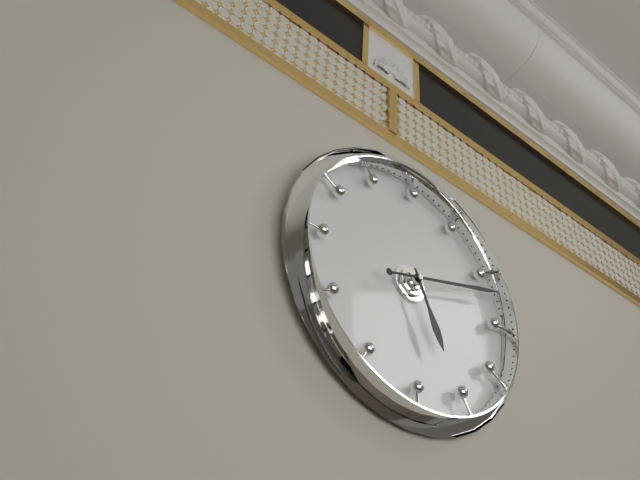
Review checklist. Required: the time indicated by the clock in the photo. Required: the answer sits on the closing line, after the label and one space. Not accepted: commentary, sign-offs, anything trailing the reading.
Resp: 5:12
